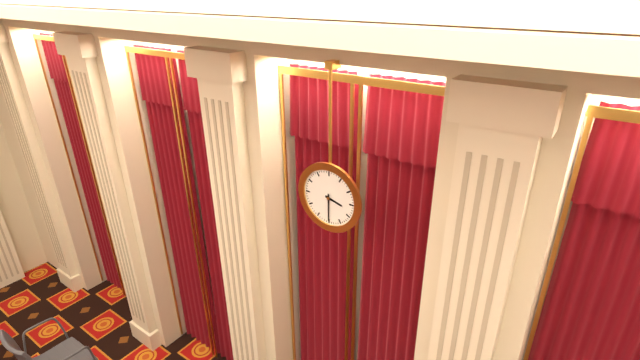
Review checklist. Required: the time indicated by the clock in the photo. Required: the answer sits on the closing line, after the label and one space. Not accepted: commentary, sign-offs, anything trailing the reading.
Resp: 3:30
